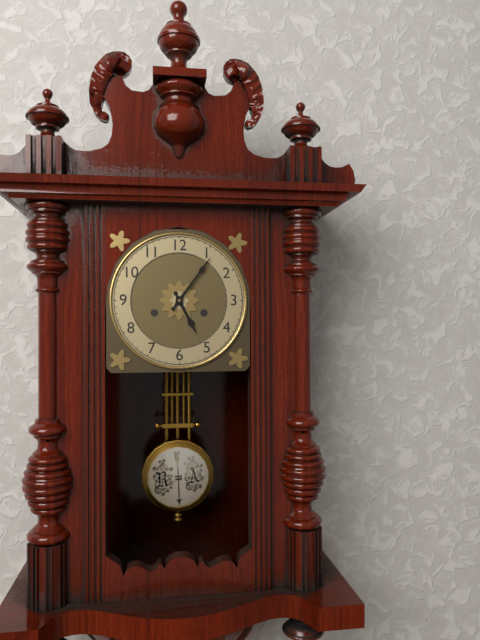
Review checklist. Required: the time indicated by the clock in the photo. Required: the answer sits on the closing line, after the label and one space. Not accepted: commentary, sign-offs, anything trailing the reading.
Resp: 5:06
